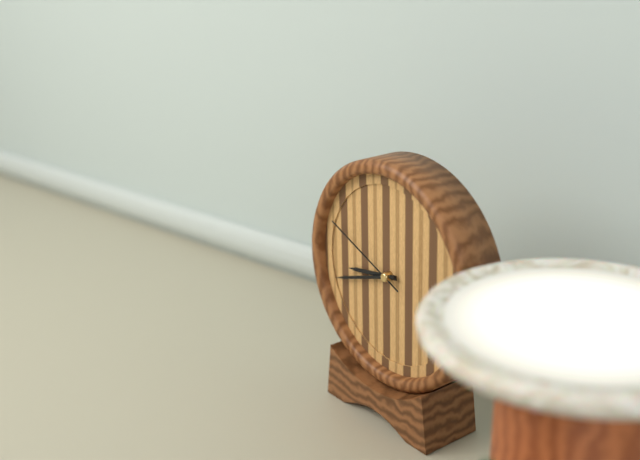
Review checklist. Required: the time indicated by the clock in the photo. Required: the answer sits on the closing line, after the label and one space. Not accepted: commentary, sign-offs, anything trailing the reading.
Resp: 8:42:49
